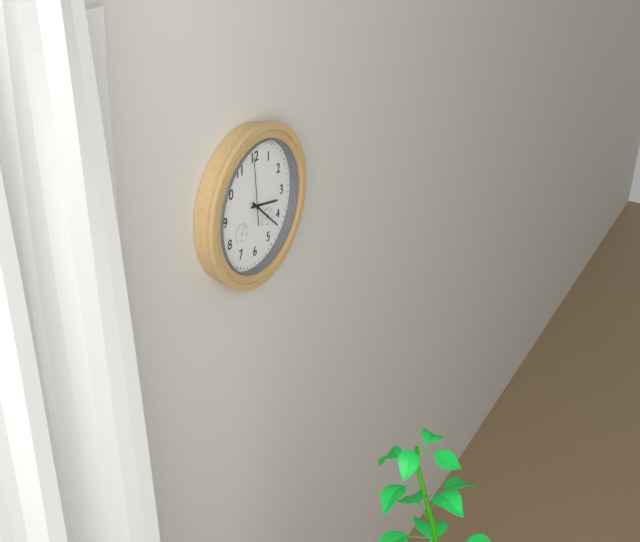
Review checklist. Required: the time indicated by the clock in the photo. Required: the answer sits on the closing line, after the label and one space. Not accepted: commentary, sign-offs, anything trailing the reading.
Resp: 3:22:59
